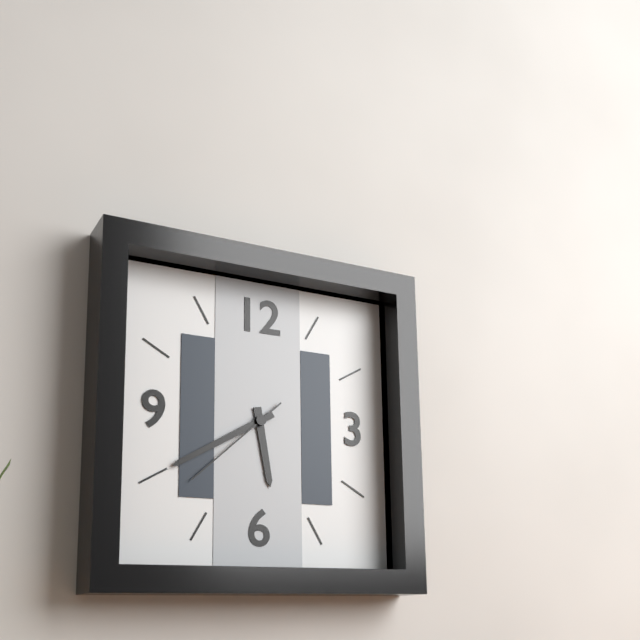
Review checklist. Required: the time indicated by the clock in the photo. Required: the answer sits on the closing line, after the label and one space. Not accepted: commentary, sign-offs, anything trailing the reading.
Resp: 5:40:38
